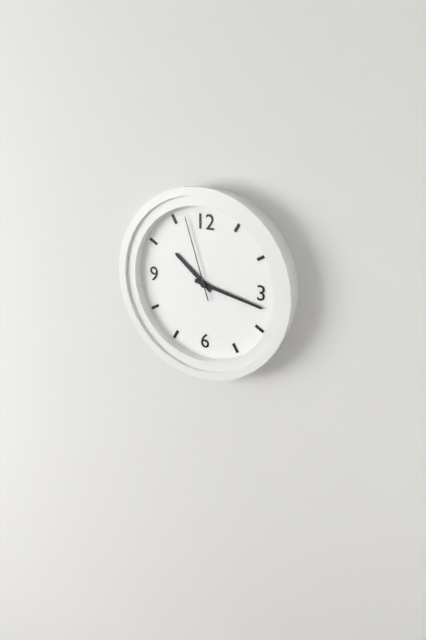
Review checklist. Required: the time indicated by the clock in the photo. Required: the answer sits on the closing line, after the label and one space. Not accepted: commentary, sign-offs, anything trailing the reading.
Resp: 10:17:57
